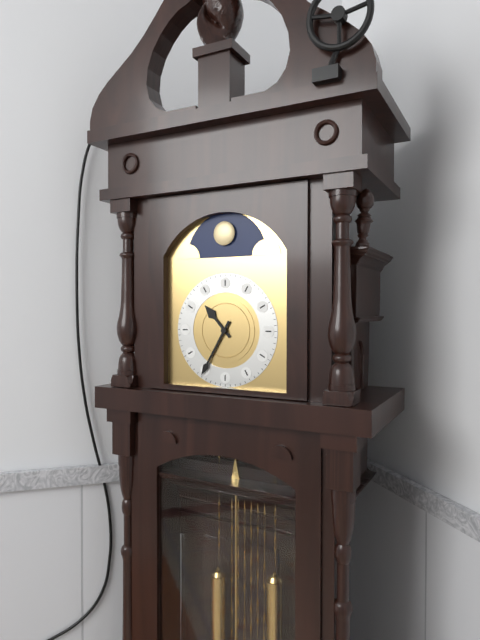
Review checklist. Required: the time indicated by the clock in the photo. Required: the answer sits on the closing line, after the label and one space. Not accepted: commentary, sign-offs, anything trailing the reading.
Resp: 10:35
